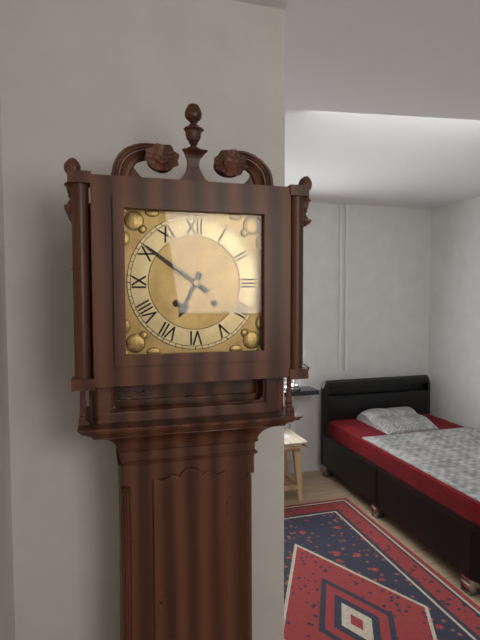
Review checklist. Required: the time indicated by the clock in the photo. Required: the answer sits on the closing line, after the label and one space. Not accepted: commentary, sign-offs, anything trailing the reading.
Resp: 6:51
